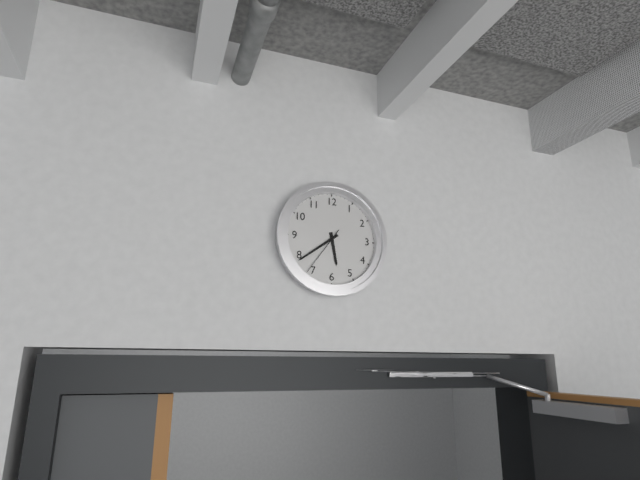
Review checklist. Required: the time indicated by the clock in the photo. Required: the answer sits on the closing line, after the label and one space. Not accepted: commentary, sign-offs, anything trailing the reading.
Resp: 5:39:36
